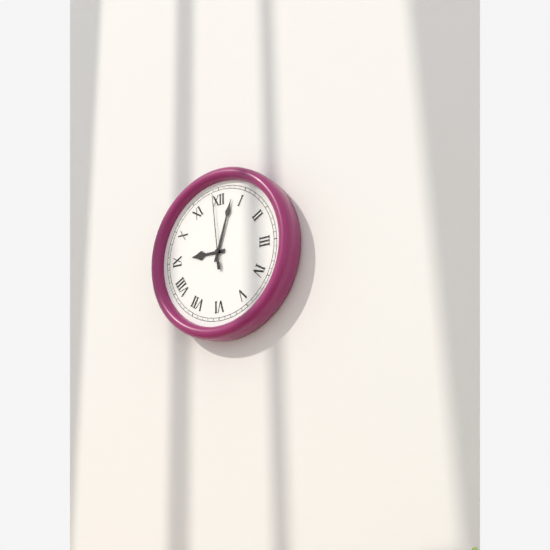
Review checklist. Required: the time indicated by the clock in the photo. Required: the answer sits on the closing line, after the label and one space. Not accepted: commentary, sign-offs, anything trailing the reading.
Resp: 9:03:59
